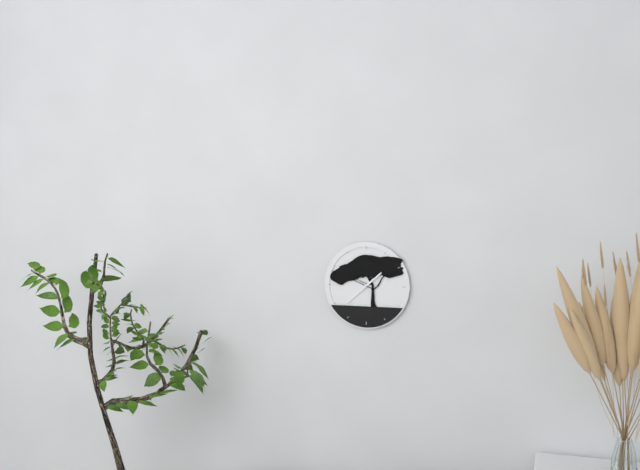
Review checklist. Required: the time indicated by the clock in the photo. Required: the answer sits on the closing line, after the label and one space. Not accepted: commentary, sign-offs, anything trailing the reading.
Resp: 1:38
